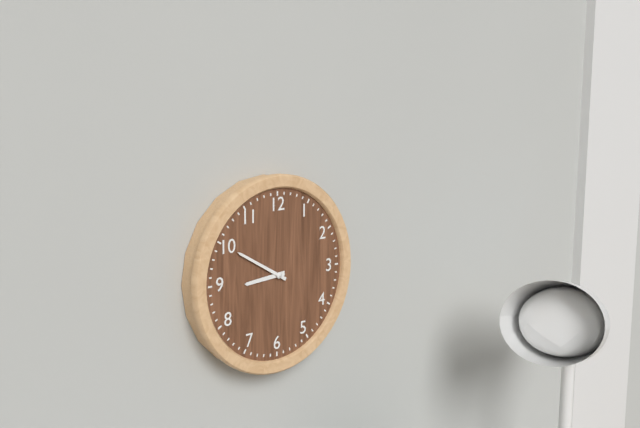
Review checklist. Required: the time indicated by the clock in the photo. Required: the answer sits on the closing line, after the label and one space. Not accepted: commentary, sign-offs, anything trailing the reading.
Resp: 8:50
